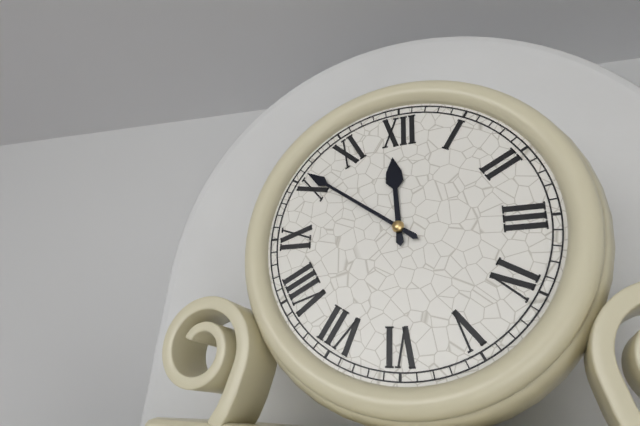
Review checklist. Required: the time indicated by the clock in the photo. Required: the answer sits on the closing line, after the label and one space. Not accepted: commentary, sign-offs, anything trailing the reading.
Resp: 11:51
